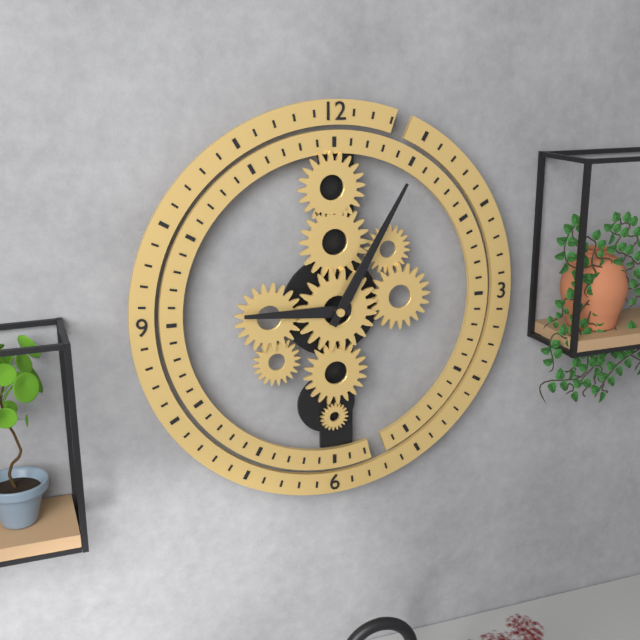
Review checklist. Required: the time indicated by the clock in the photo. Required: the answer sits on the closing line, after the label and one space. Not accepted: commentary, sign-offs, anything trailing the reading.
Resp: 9:05
